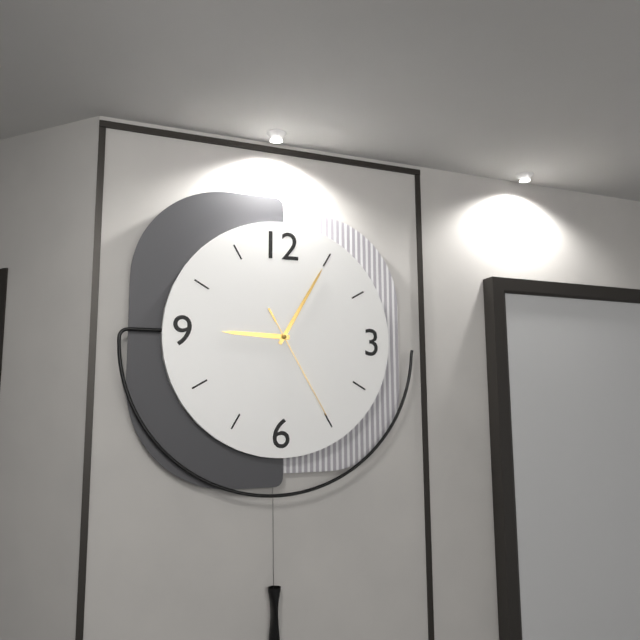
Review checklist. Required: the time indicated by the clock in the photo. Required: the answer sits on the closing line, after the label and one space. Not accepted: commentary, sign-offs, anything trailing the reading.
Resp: 9:05:25
